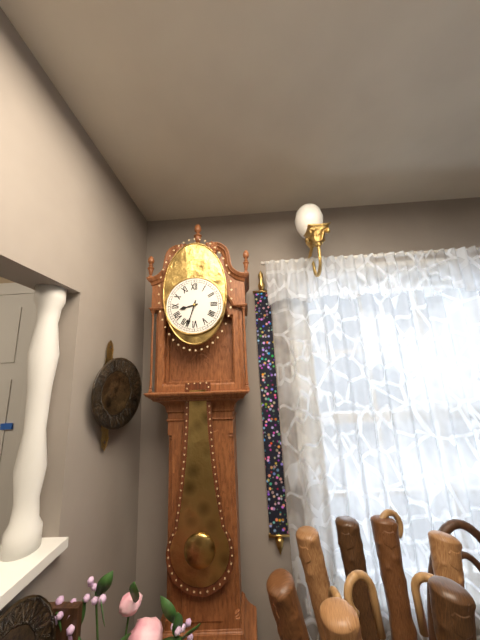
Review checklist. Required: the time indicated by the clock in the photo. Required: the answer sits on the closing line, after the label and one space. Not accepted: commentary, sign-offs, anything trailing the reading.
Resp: 8:33
